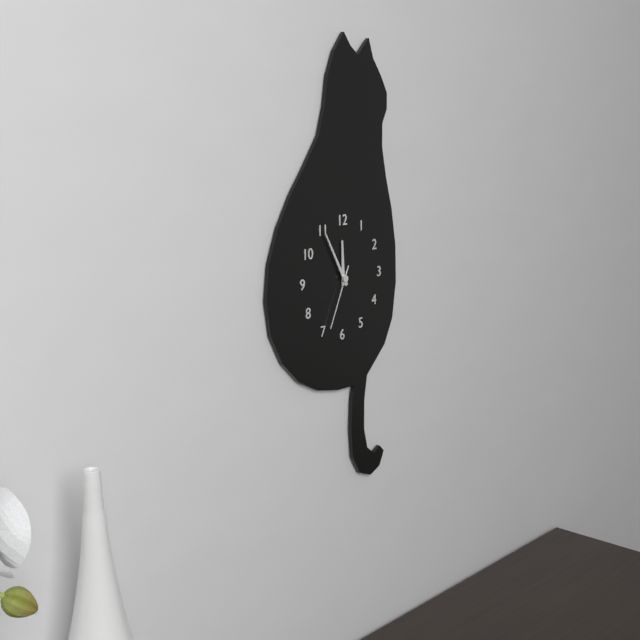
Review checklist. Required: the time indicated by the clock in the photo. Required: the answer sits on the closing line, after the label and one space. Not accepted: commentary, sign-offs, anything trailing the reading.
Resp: 11:55:34
